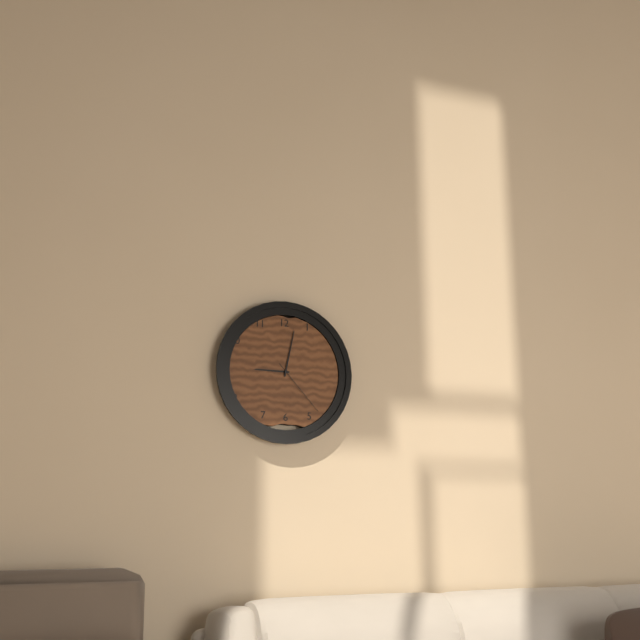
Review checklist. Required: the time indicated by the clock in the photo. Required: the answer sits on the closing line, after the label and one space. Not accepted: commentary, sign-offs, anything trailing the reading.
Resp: 9:02:23
